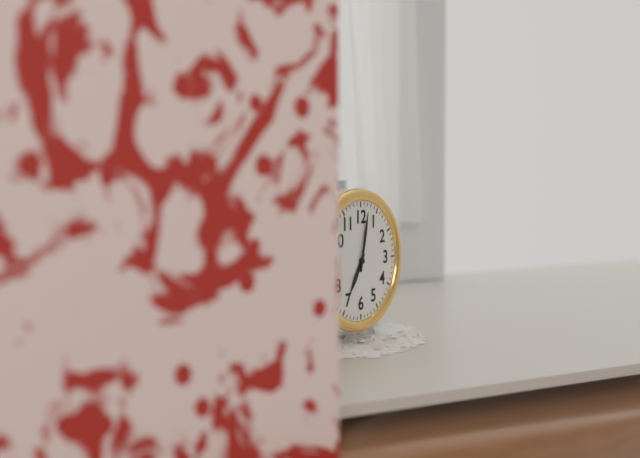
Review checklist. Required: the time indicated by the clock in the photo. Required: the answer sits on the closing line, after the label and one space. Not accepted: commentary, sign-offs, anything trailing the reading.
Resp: 7:02
